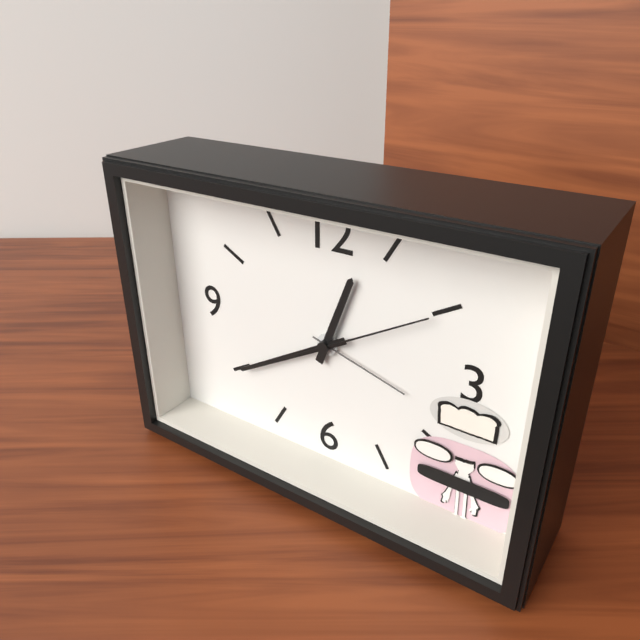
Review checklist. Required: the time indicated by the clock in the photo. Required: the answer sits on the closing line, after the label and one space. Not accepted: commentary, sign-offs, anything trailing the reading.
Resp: 12:40:10
